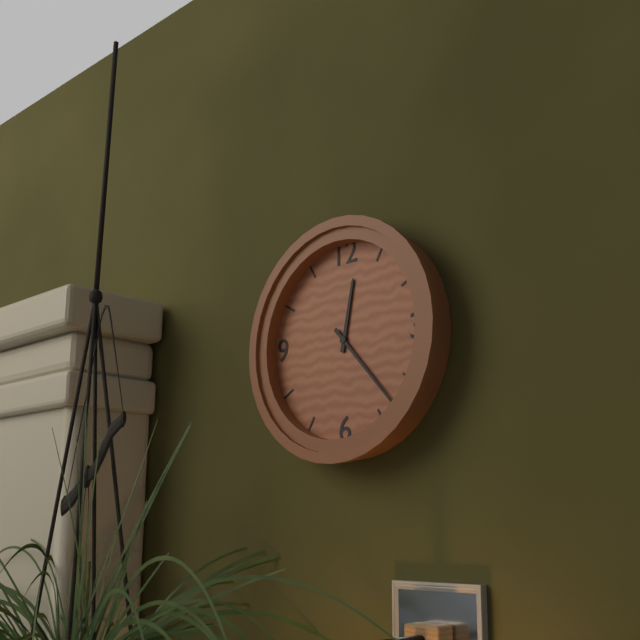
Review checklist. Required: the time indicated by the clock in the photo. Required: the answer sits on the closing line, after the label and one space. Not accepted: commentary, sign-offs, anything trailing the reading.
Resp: 12:23
